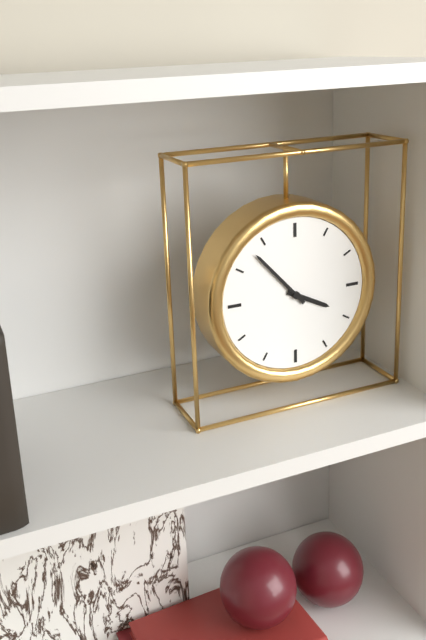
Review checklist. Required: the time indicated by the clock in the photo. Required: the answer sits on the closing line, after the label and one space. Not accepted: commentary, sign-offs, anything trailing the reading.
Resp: 3:53
